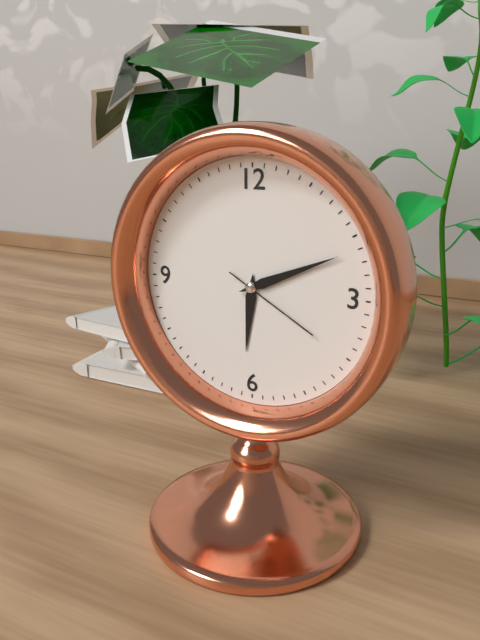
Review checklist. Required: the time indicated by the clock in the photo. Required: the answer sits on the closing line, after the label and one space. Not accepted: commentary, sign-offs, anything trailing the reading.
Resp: 6:11:20
